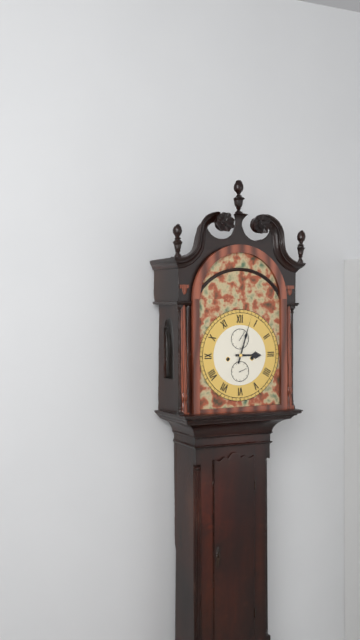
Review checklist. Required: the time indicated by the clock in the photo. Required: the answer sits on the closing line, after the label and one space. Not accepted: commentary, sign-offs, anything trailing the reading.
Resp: 3:03
